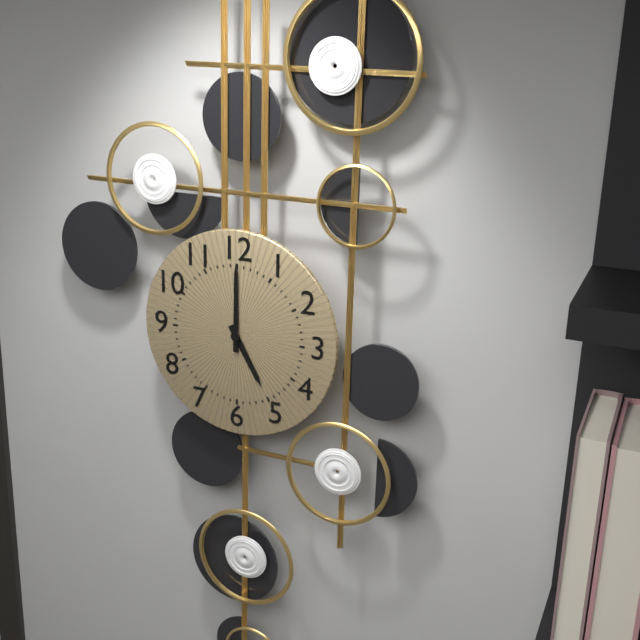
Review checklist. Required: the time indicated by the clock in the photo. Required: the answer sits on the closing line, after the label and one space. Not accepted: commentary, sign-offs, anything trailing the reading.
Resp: 5:00
